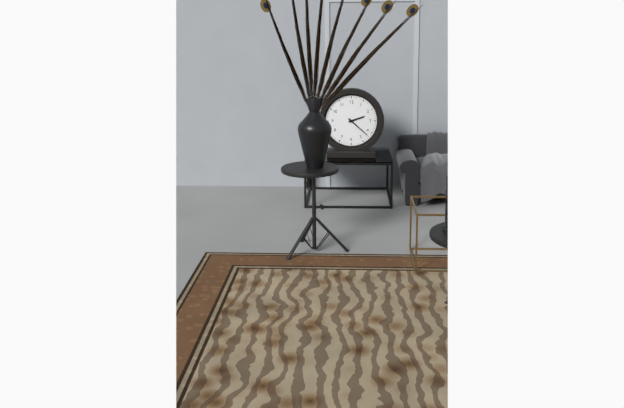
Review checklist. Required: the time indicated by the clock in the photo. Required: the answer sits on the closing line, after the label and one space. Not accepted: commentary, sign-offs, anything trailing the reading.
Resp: 2:22
